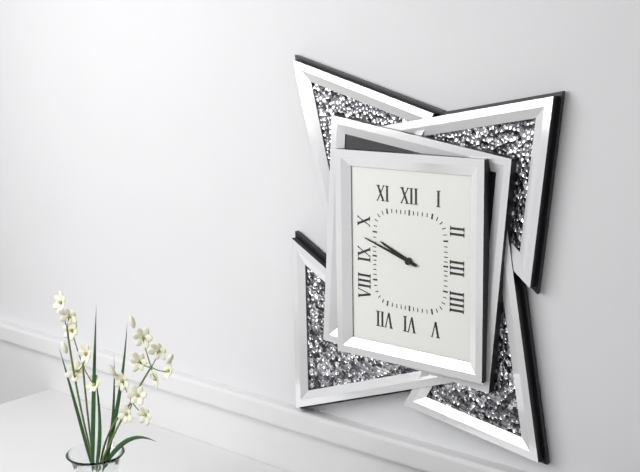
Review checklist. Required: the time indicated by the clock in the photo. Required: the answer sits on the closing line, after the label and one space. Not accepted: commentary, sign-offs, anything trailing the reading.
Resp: 9:48
